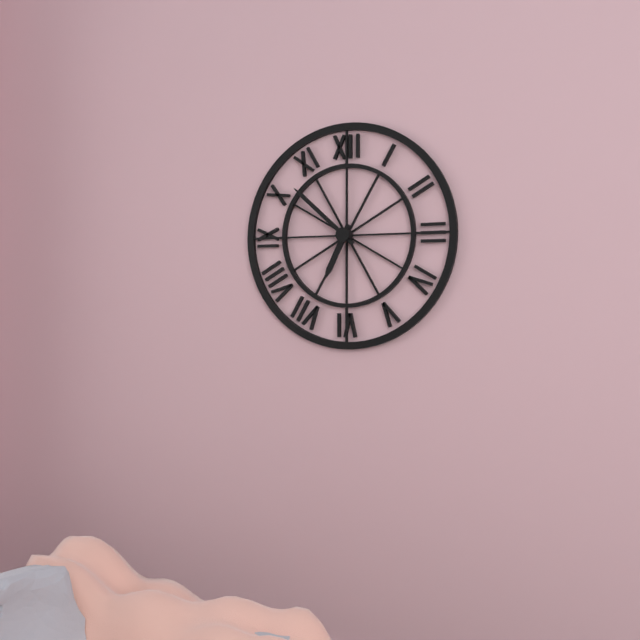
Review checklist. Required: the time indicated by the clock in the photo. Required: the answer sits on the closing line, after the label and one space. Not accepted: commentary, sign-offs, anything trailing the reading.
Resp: 6:52
